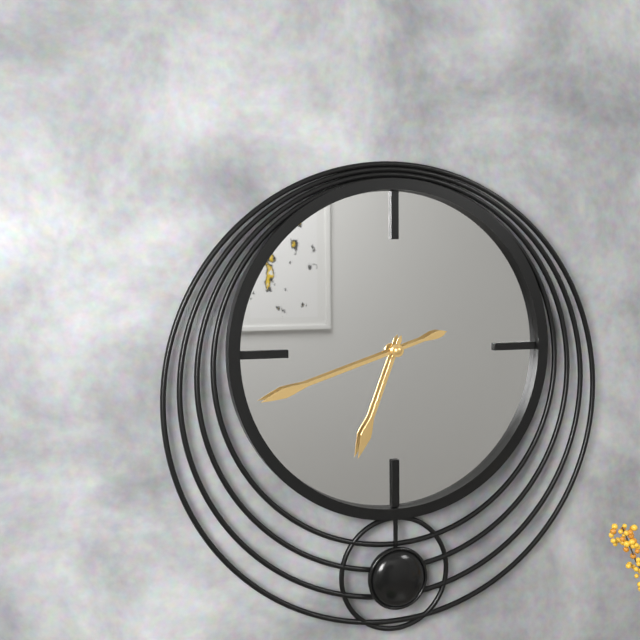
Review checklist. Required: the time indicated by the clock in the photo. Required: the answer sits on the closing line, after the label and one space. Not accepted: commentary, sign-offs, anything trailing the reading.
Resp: 6:42
